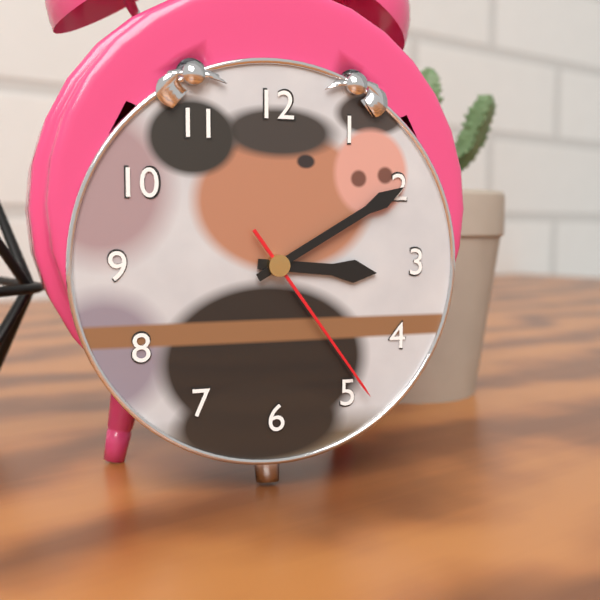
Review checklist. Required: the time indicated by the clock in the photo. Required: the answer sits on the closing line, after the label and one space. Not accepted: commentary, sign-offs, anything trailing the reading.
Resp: 3:10:24
